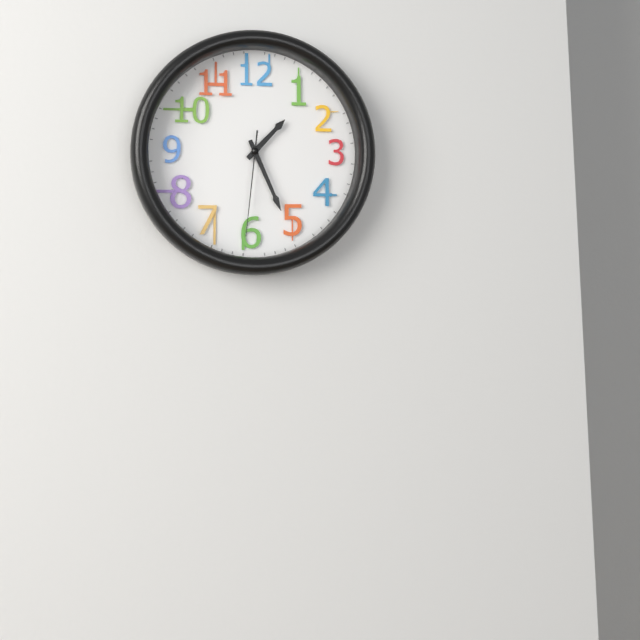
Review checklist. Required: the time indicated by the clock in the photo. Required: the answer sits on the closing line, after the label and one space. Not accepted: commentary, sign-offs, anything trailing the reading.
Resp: 1:26:31
